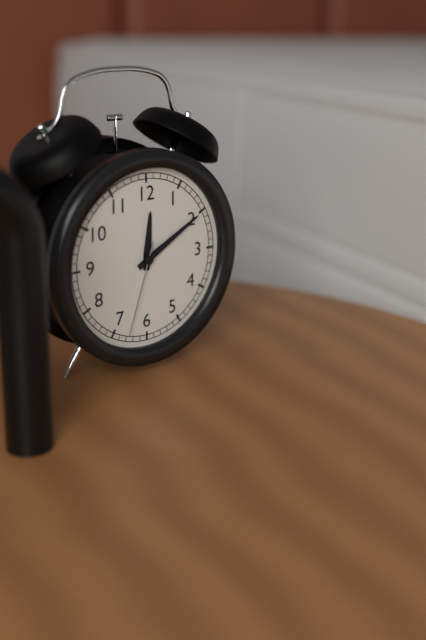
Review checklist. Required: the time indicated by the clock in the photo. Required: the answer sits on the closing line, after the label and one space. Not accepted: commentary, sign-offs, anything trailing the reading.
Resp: 12:10:33
